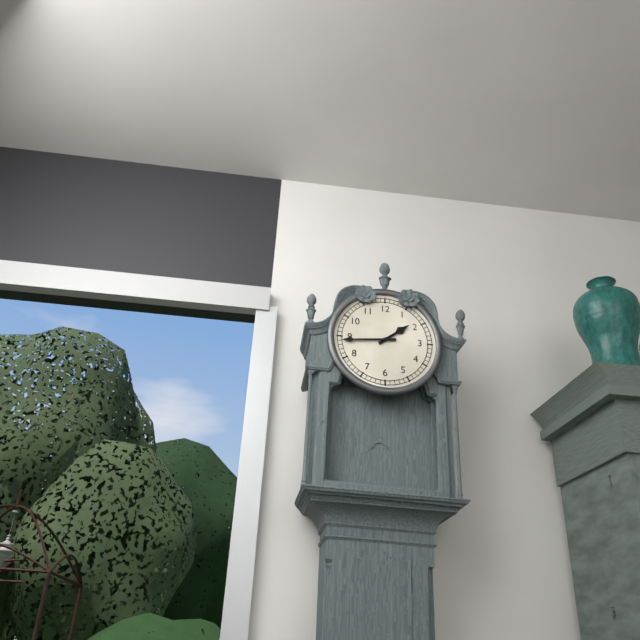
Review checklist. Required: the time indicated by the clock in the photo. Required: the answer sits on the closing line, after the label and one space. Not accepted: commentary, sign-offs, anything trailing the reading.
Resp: 1:44
